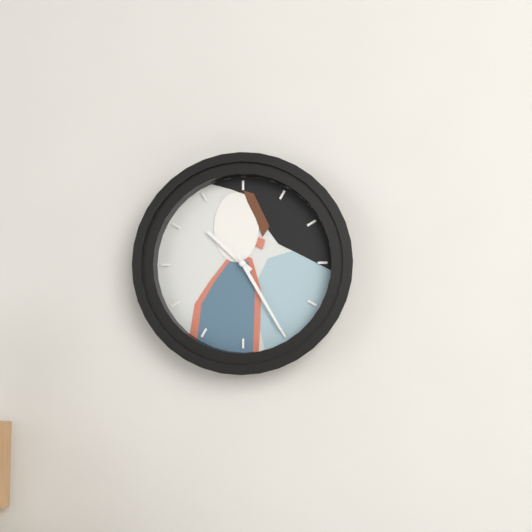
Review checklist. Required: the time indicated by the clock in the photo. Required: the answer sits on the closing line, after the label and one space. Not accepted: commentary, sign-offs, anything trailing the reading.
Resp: 10:25
